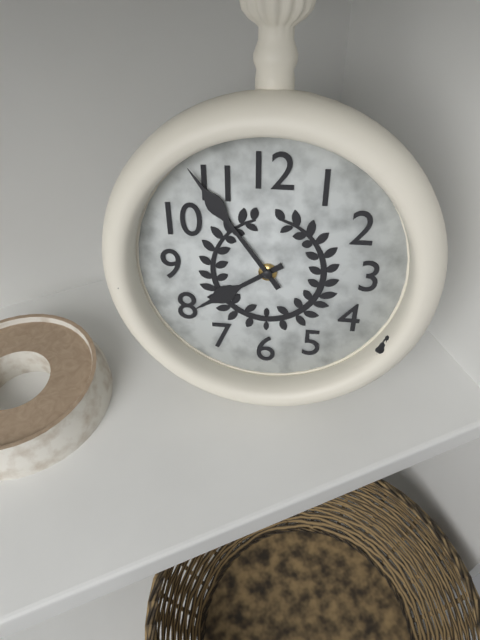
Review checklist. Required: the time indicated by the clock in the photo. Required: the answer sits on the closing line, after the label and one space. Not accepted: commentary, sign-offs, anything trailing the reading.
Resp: 7:54
